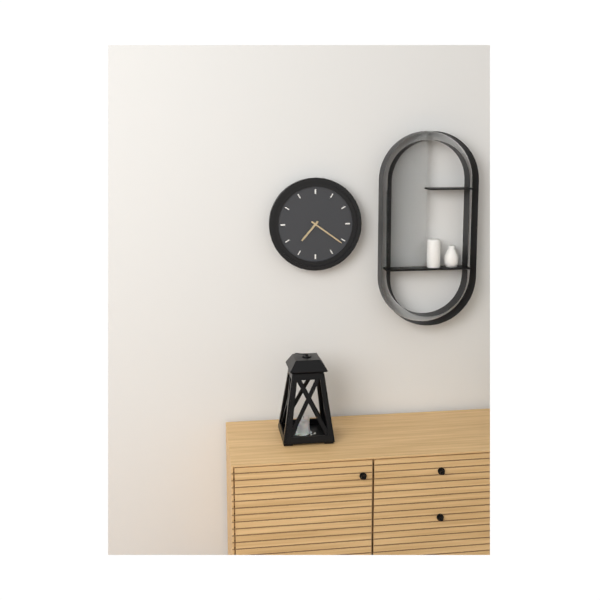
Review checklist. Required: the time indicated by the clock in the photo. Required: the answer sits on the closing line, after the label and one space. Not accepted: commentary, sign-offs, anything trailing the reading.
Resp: 7:21
